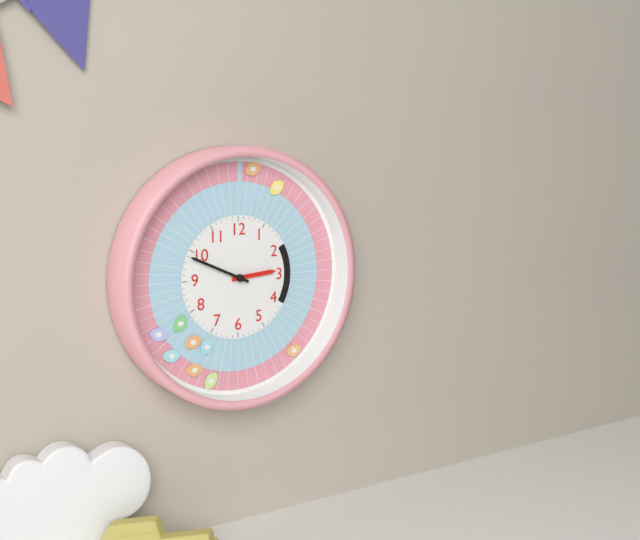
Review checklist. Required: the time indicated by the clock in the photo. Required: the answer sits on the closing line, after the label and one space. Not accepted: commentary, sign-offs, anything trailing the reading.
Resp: 2:49
